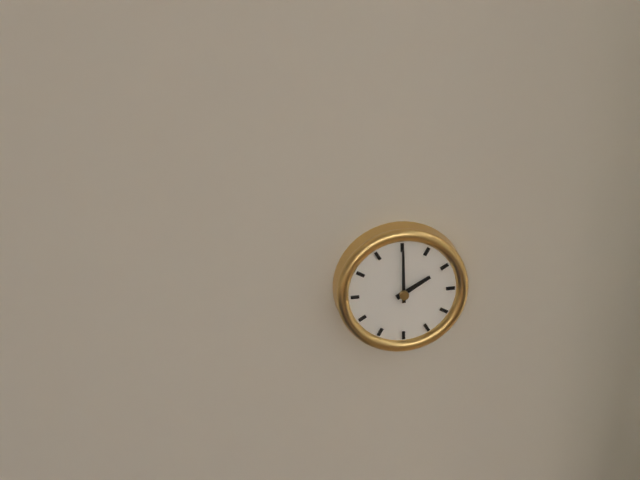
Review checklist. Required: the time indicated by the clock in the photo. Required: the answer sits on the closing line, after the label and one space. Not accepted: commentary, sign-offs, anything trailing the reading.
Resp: 2:00
